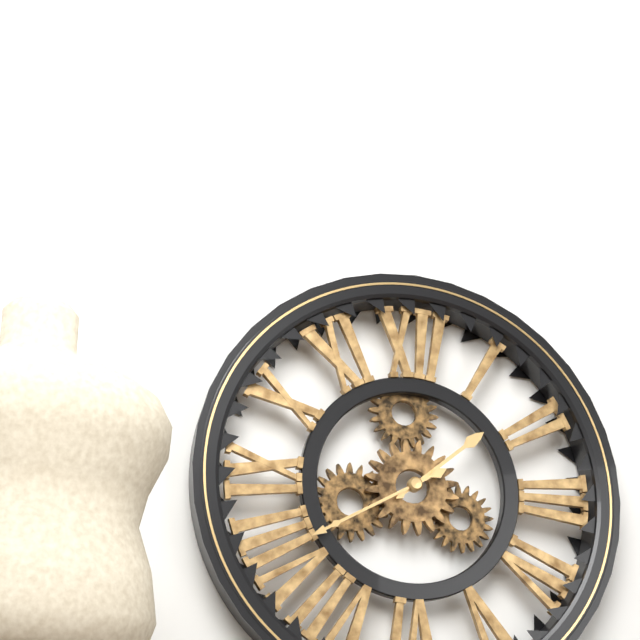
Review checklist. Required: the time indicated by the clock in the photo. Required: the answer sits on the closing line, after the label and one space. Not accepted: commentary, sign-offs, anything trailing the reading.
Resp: 1:40
